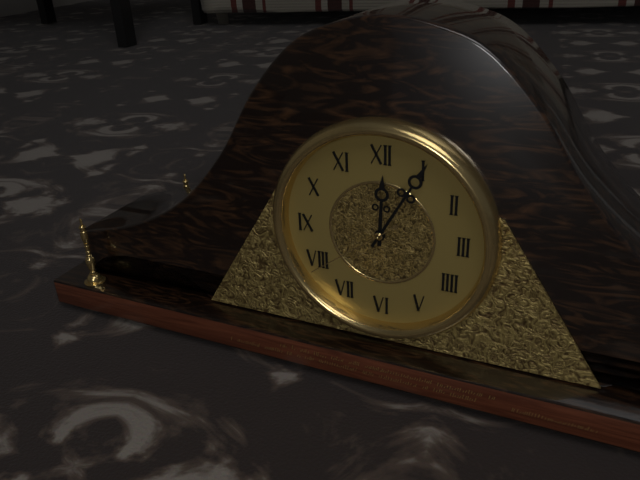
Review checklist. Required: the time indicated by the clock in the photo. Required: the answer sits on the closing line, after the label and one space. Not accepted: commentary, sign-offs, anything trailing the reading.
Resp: 12:05:39
